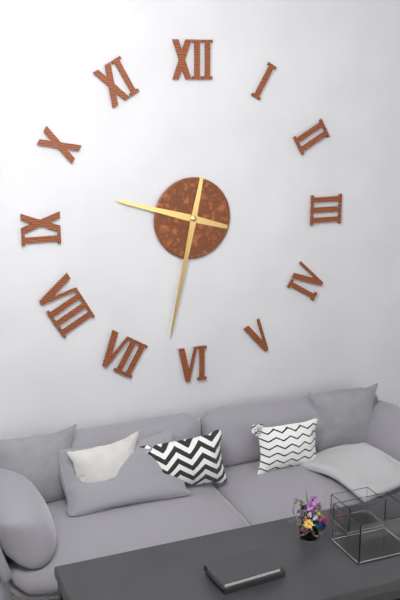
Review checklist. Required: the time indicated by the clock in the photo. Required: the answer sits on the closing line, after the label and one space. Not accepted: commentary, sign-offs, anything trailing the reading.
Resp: 9:32
